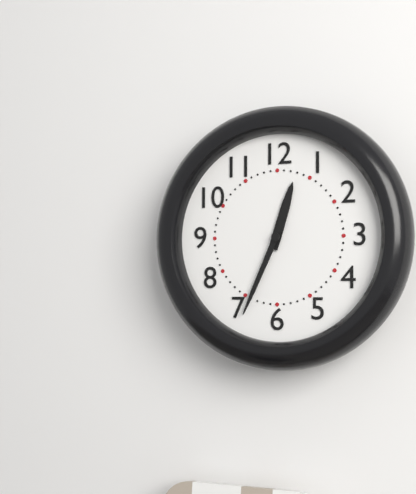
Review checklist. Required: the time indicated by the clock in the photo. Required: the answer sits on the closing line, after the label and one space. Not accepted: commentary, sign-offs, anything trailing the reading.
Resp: 12:34
